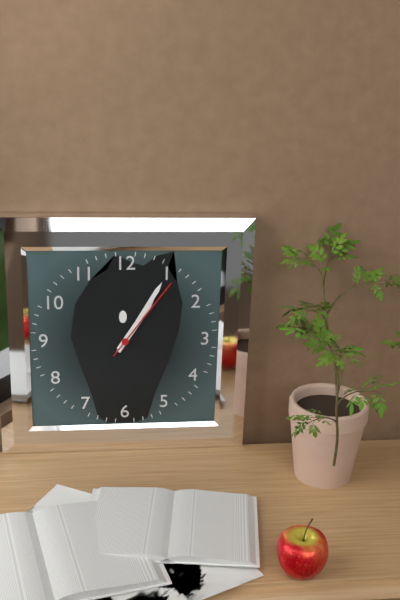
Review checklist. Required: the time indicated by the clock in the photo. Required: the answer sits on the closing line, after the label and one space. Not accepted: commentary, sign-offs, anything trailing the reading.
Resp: 1:05:06
